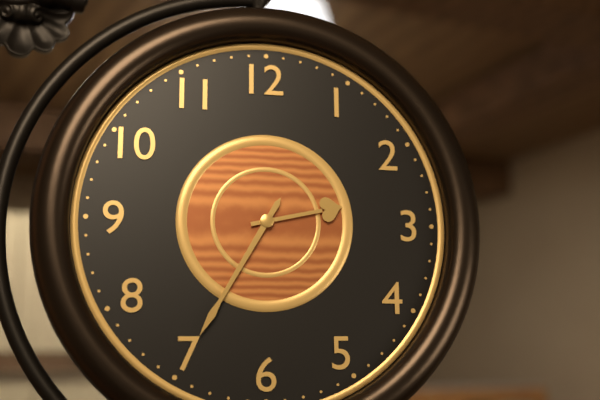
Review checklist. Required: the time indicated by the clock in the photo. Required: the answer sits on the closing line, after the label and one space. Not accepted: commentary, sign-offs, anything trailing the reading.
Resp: 2:35
